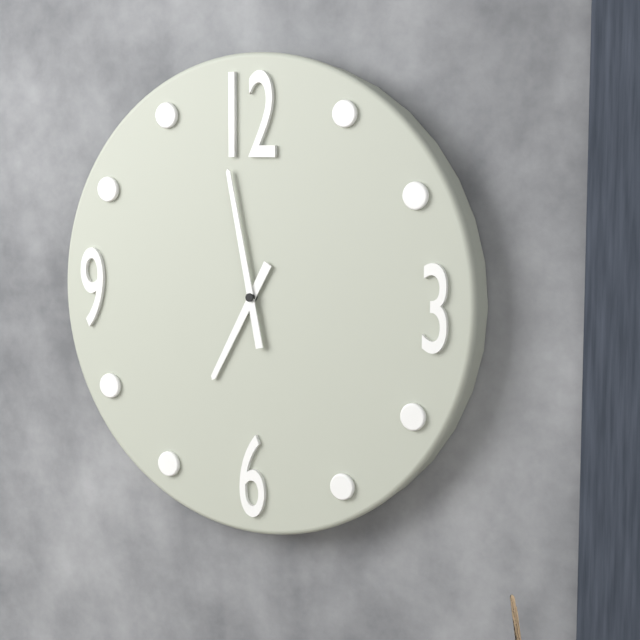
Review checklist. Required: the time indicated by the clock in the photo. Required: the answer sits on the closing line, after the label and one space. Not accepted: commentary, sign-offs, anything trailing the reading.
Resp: 6:58
